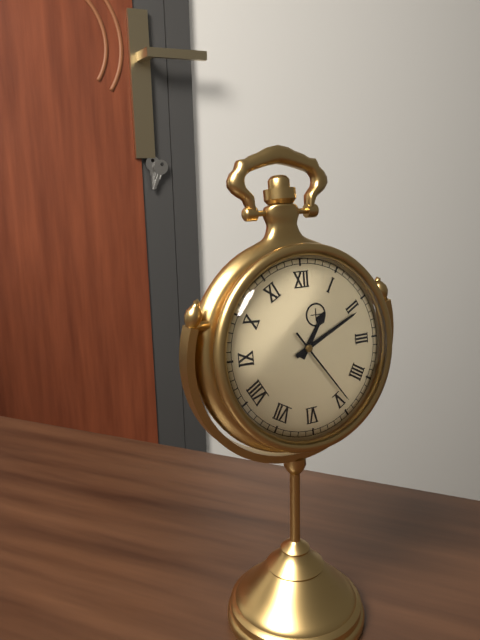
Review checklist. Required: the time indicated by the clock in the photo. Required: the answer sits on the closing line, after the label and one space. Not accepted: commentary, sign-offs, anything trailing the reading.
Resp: 1:11:24
